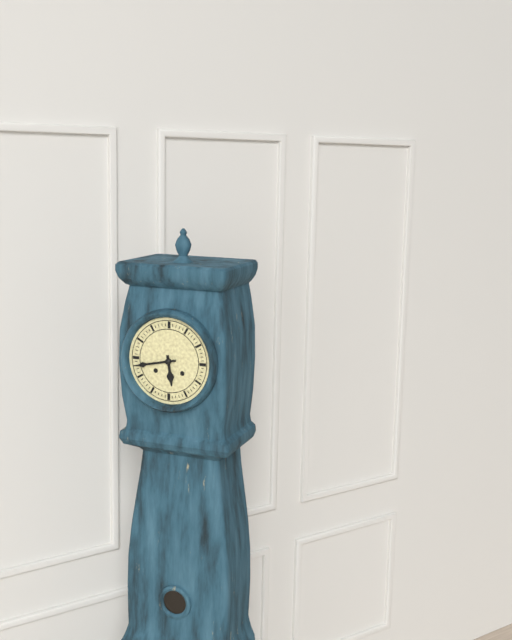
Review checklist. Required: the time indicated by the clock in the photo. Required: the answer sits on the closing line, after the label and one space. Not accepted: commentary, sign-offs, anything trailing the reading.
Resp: 5:43
